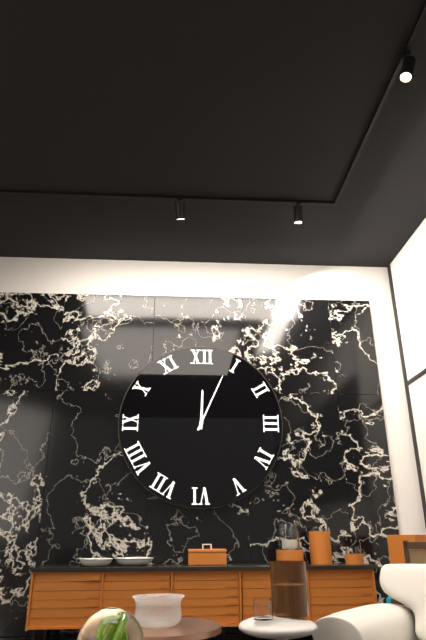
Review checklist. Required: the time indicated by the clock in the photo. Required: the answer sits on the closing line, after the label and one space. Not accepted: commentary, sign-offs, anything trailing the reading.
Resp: 12:04
